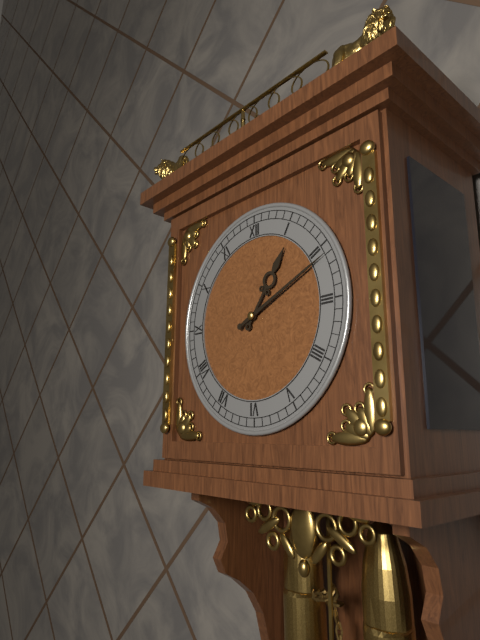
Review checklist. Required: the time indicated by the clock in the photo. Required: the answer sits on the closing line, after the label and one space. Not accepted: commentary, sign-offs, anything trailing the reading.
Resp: 1:11
